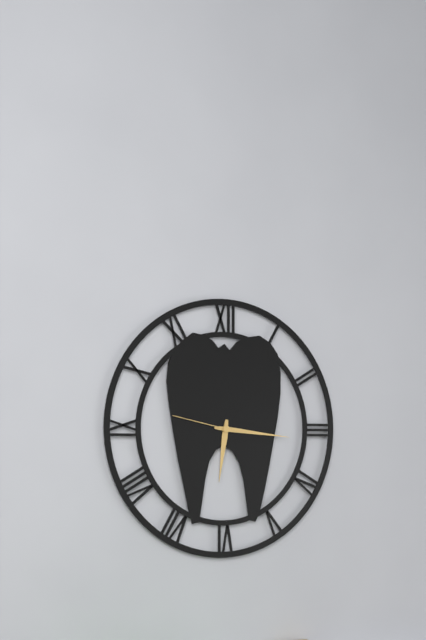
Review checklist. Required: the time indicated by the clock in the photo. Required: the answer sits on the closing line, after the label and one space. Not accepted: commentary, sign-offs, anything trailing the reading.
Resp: 6:16:47
